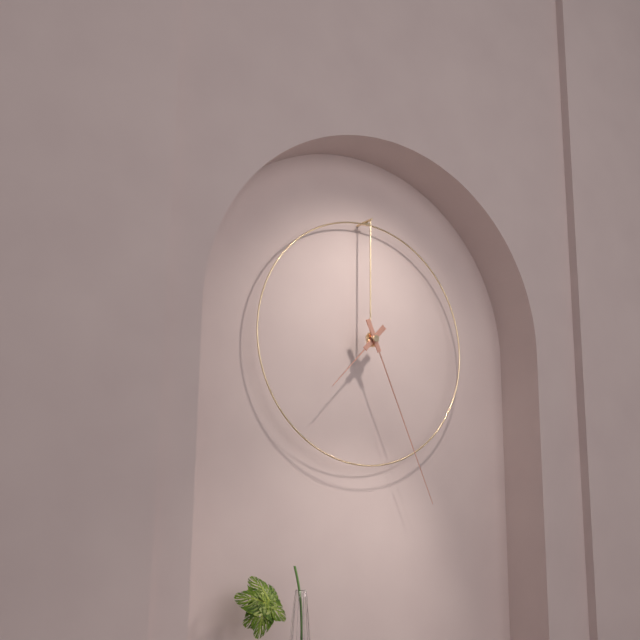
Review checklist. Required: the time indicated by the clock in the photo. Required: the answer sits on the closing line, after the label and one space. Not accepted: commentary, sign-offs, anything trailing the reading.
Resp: 7:26
